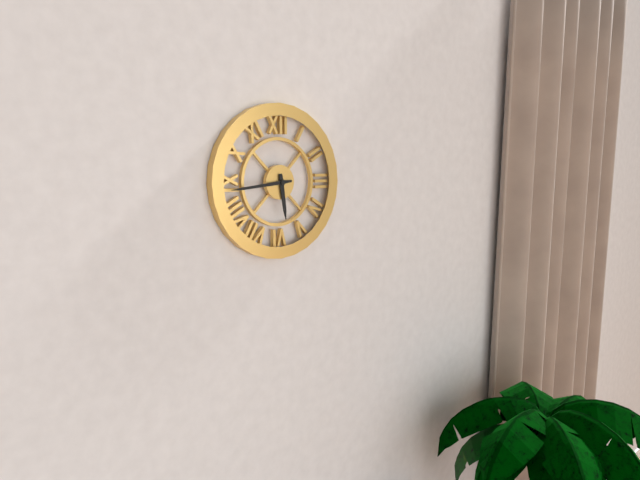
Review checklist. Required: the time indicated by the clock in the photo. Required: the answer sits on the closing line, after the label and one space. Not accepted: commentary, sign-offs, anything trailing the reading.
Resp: 5:44
